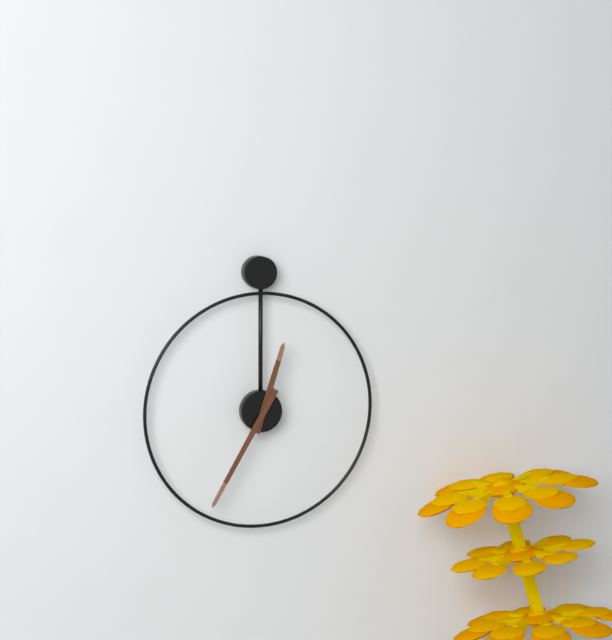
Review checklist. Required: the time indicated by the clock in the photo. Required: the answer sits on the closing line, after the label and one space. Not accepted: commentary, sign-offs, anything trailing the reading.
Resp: 12:35
